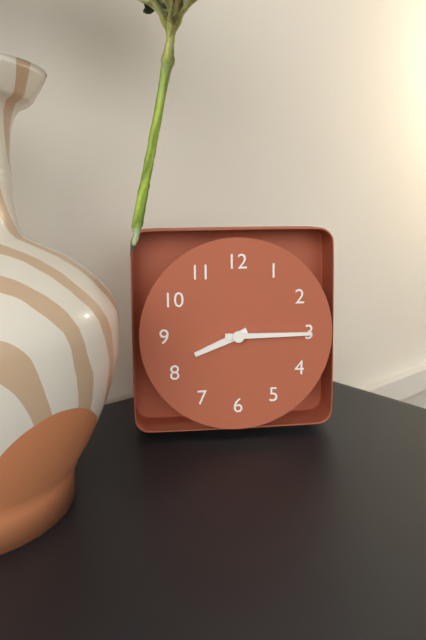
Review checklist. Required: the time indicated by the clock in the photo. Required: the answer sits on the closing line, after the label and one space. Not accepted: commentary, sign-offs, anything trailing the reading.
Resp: 8:15
